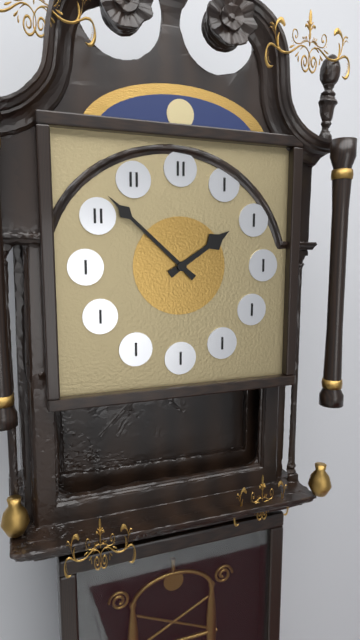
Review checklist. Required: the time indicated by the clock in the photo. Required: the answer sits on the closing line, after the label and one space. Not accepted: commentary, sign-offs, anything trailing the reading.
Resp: 1:52
